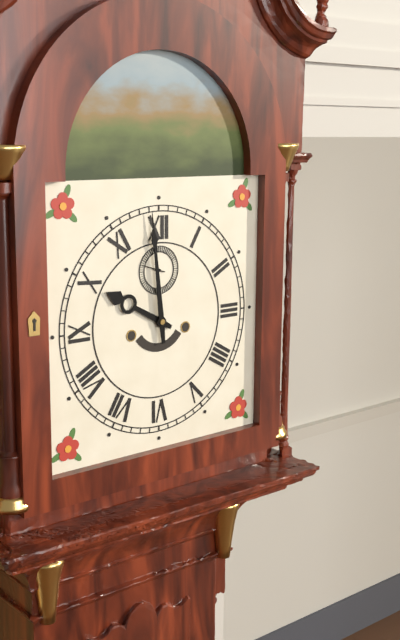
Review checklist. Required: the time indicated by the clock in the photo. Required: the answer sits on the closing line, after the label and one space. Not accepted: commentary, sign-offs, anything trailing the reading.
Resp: 9:59
